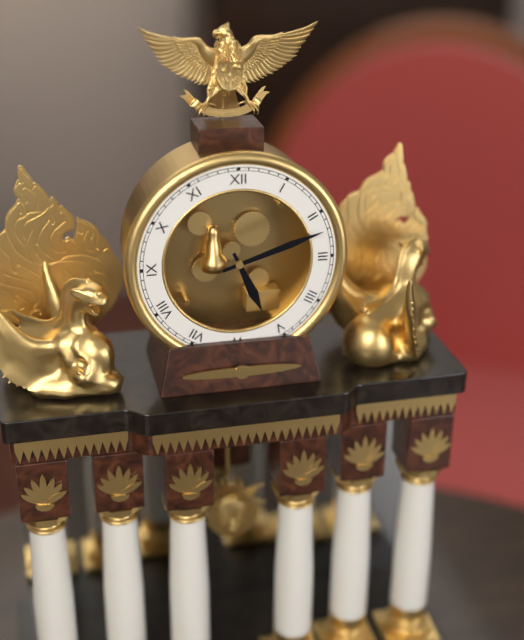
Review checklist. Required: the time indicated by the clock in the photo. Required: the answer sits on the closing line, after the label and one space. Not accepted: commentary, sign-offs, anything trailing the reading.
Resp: 5:12
